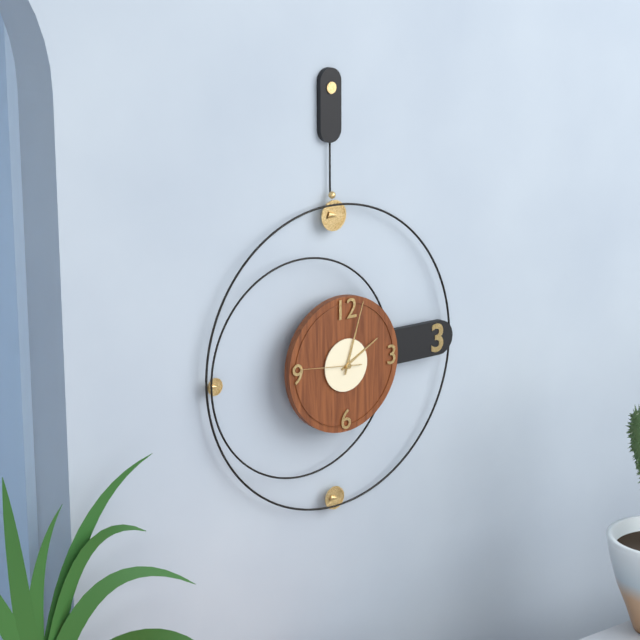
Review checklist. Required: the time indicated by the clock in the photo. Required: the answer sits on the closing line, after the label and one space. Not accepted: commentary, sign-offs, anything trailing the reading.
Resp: 2:03:46
